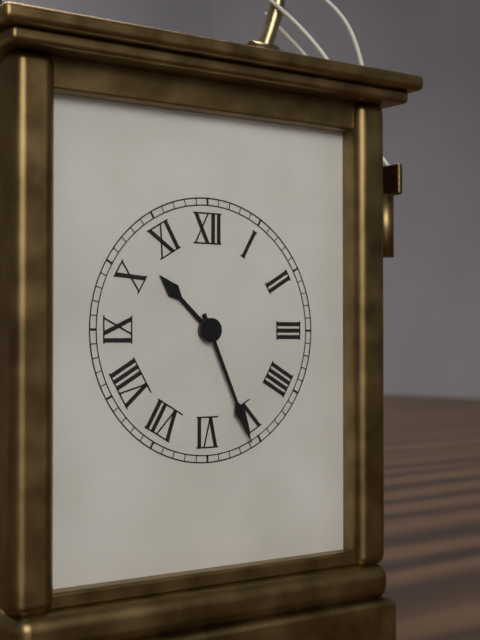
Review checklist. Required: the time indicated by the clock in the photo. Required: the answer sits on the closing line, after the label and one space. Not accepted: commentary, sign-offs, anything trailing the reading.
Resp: 10:26
